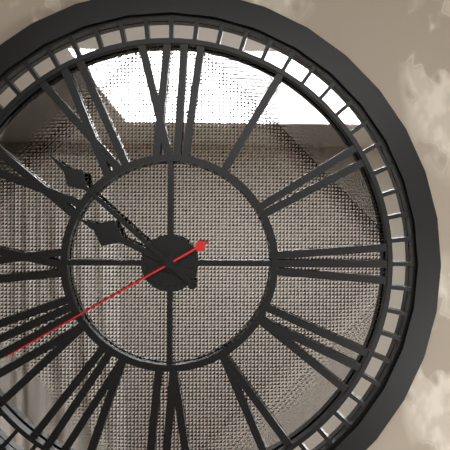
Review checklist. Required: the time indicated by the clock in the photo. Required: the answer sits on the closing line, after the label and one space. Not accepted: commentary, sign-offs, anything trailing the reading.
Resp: 9:52:40
